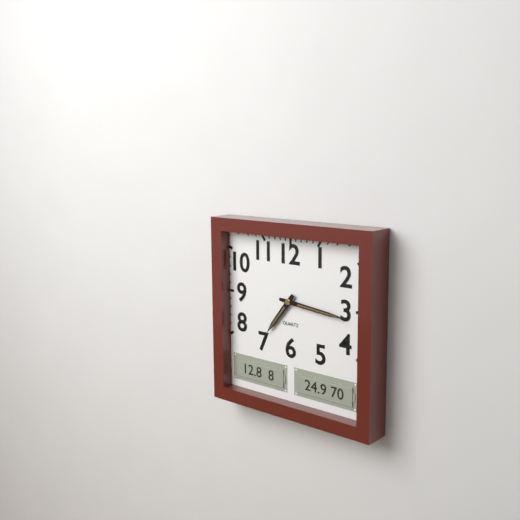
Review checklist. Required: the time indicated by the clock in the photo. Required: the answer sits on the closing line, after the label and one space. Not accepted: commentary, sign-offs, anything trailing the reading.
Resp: 7:16
